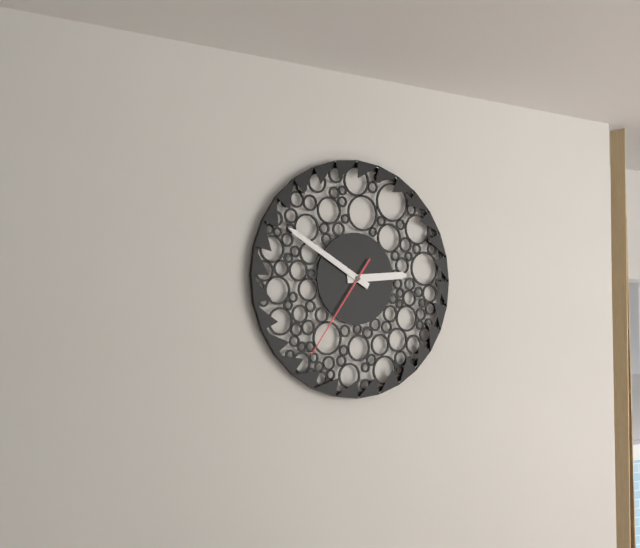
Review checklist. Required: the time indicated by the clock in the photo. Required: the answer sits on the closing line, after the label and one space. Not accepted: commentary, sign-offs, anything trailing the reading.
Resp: 2:50:36
